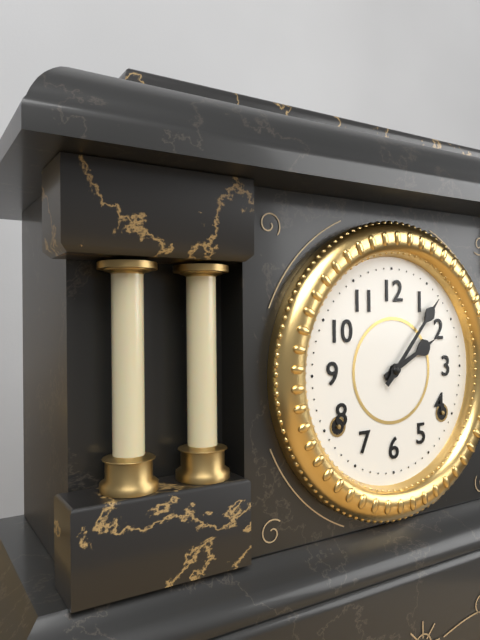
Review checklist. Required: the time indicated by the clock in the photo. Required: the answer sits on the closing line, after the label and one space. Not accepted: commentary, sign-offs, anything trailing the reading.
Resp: 2:07
